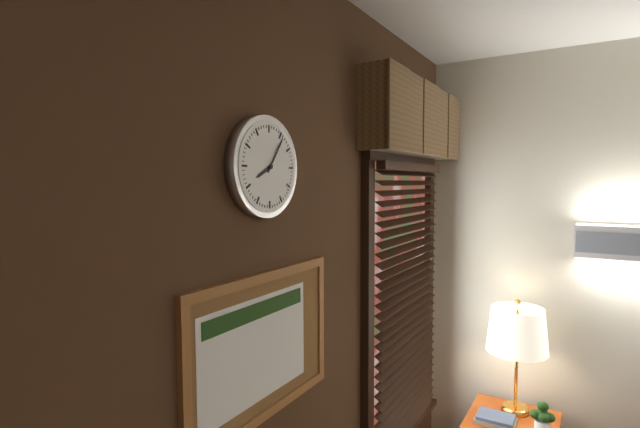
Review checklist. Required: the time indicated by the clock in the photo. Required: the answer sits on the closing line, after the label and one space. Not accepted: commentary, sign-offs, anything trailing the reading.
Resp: 8:06
